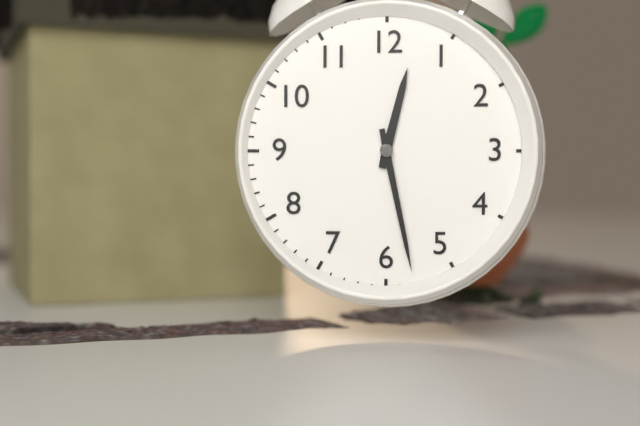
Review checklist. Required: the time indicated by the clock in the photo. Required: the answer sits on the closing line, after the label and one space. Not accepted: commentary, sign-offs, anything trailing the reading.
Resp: 12:28
